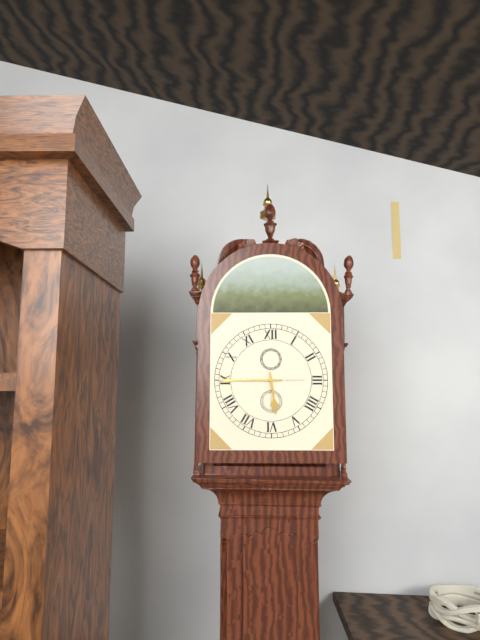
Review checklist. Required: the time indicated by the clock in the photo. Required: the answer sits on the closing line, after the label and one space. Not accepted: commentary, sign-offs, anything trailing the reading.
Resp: 5:45
